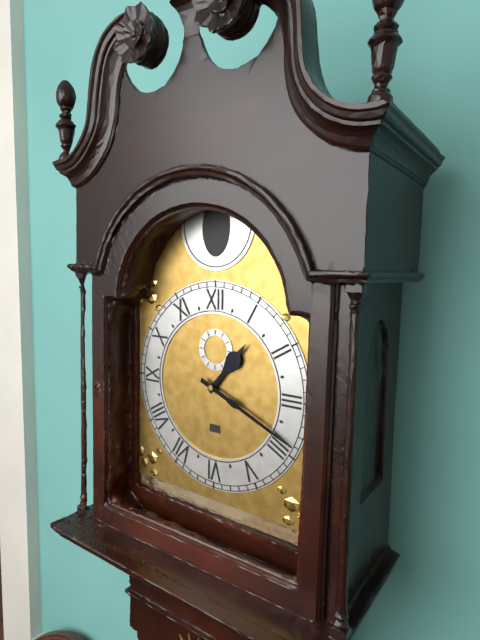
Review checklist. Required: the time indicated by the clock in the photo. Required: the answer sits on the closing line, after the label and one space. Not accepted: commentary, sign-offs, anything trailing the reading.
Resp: 1:19
